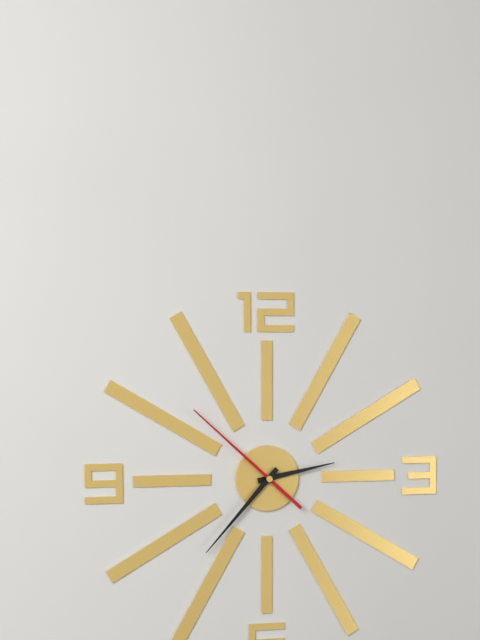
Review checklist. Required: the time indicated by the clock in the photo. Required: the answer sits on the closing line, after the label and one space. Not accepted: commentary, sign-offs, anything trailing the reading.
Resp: 2:37:52
